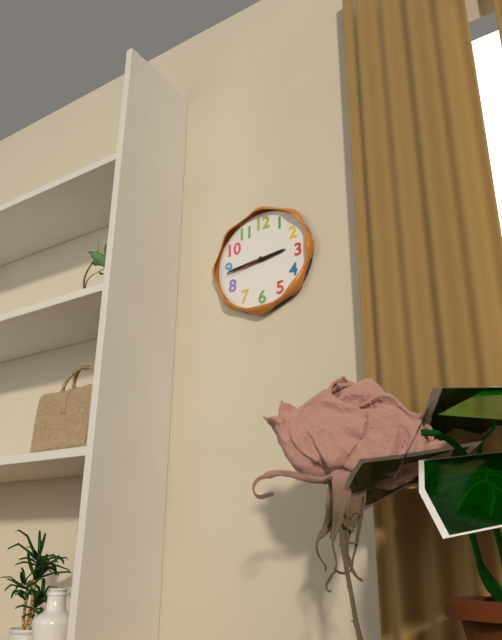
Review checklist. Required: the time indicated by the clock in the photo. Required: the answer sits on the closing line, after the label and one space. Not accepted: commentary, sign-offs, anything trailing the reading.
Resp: 2:44:43
